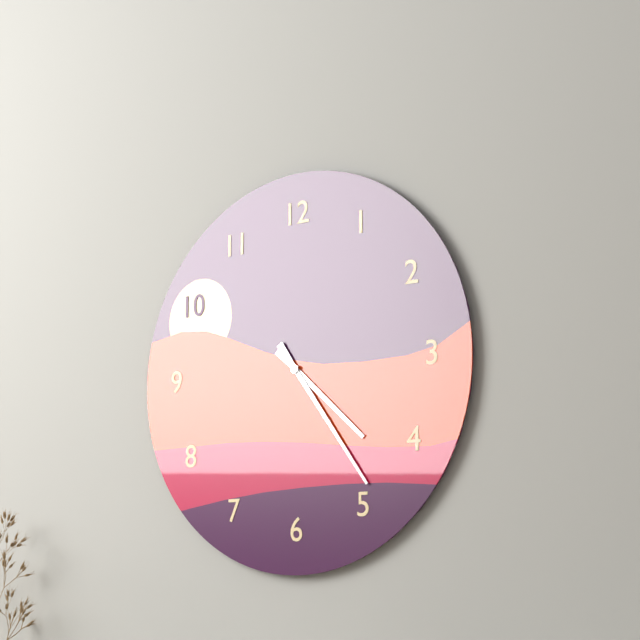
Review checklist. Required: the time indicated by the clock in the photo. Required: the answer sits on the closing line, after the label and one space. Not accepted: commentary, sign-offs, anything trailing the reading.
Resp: 4:24
